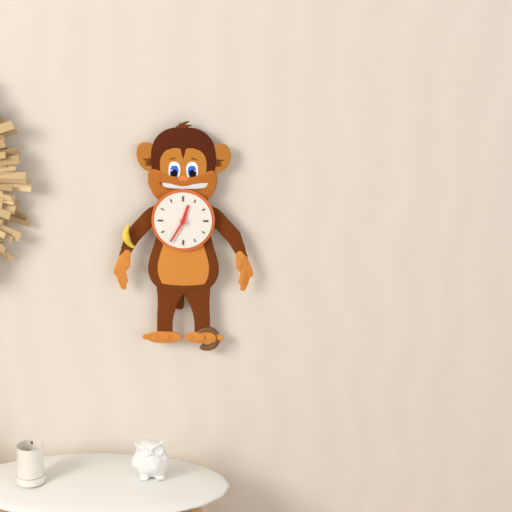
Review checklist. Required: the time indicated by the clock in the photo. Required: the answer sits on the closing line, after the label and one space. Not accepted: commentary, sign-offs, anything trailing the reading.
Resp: 12:35
